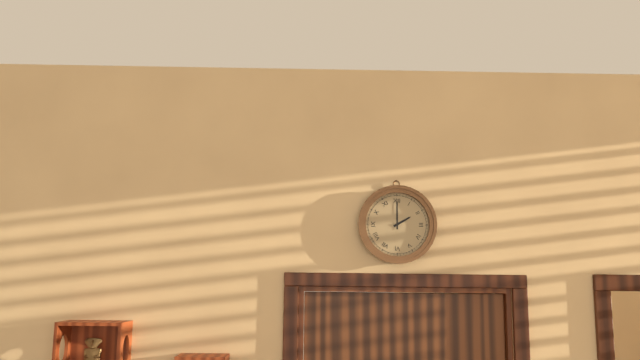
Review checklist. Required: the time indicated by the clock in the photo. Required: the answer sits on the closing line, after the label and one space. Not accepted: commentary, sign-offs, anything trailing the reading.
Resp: 2:00
